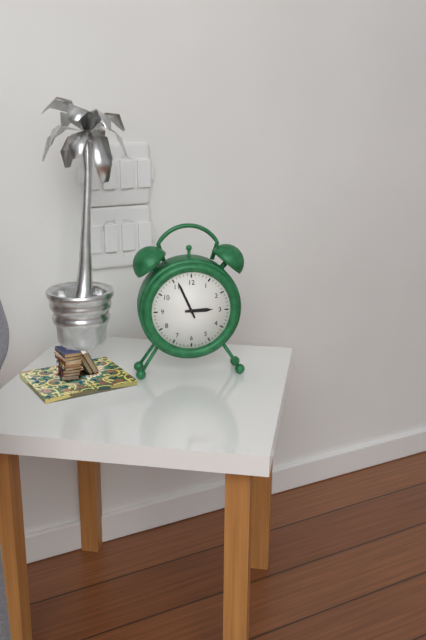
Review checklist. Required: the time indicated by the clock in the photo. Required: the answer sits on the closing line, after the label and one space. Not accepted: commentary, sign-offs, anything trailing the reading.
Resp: 2:56
